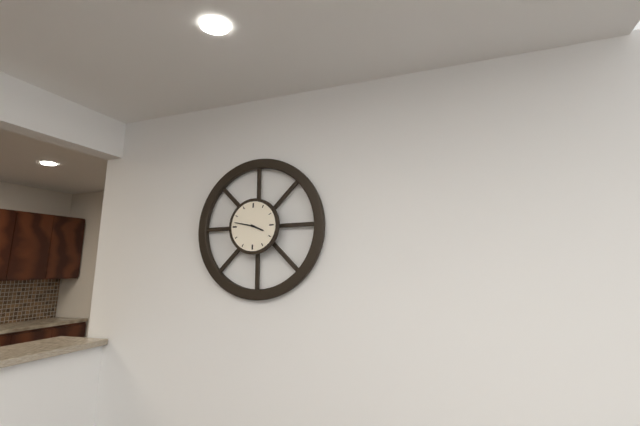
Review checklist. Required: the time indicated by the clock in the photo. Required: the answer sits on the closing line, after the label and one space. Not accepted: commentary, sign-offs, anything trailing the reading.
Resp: 3:47
